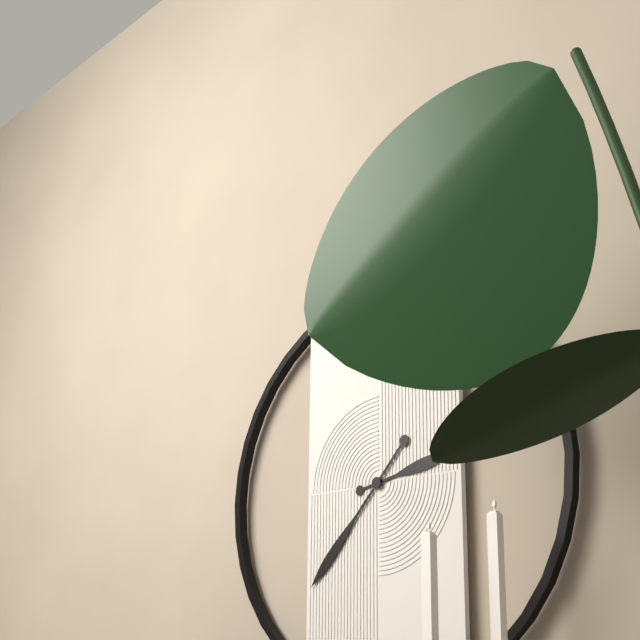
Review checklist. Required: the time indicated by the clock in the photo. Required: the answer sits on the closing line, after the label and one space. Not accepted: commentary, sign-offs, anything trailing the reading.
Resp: 2:37
